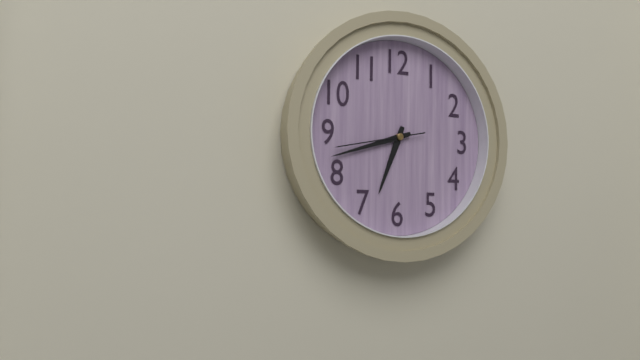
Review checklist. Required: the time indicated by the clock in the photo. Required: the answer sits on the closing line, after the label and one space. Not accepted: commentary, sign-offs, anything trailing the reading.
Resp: 6:42:43
